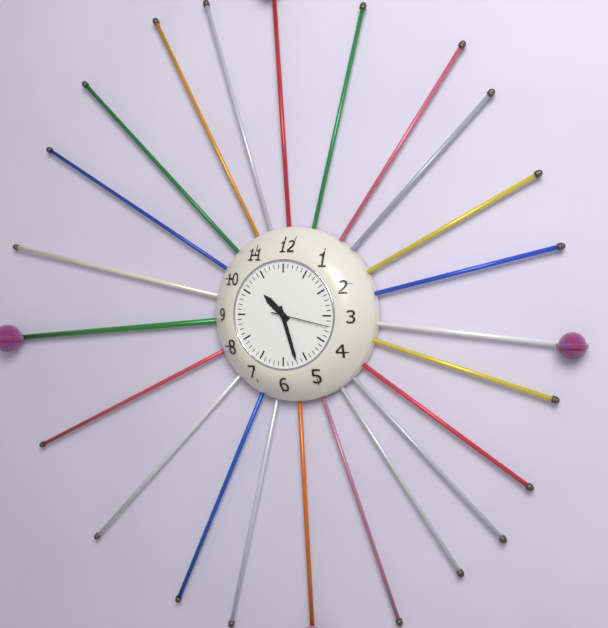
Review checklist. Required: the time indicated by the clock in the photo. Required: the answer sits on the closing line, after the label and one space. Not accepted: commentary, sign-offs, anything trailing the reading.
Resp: 10:27:17
